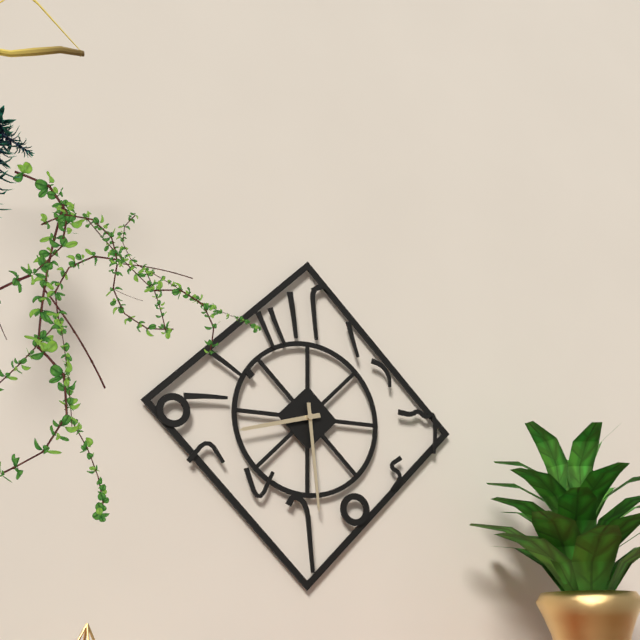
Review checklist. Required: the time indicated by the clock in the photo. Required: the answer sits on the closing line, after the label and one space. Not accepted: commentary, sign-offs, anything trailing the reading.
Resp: 8:29
